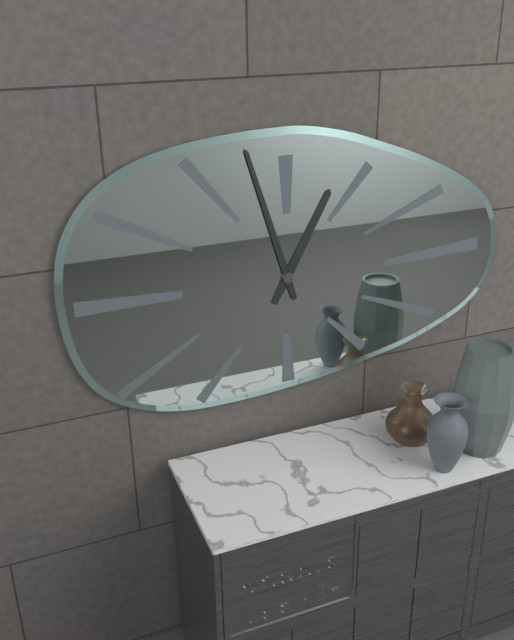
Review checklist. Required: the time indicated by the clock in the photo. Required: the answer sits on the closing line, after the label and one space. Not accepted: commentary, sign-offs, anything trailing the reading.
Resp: 12:57
